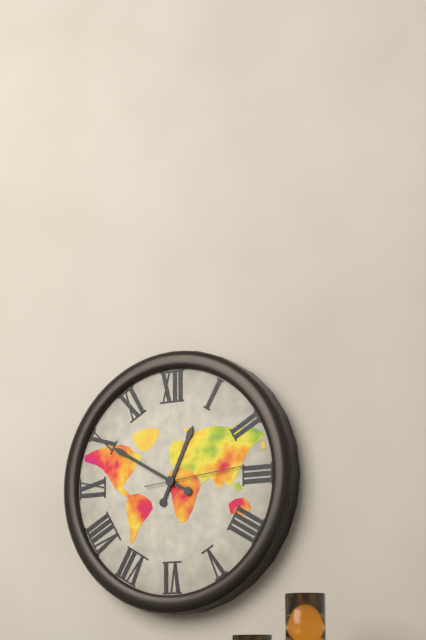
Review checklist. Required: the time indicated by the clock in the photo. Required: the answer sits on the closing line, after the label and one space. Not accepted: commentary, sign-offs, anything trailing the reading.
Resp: 12:50:14
